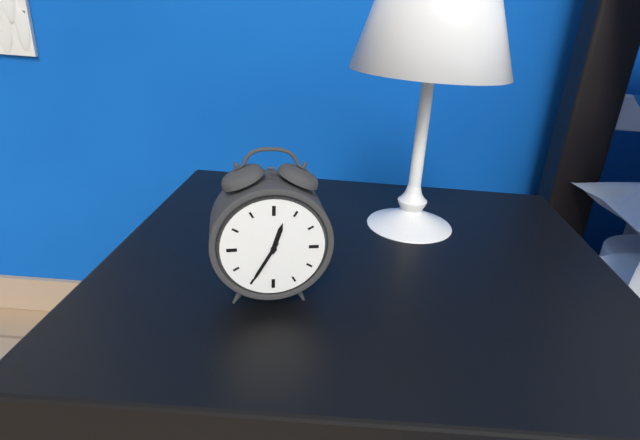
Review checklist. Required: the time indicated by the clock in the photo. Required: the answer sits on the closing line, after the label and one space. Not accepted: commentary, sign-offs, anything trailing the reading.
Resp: 12:35
